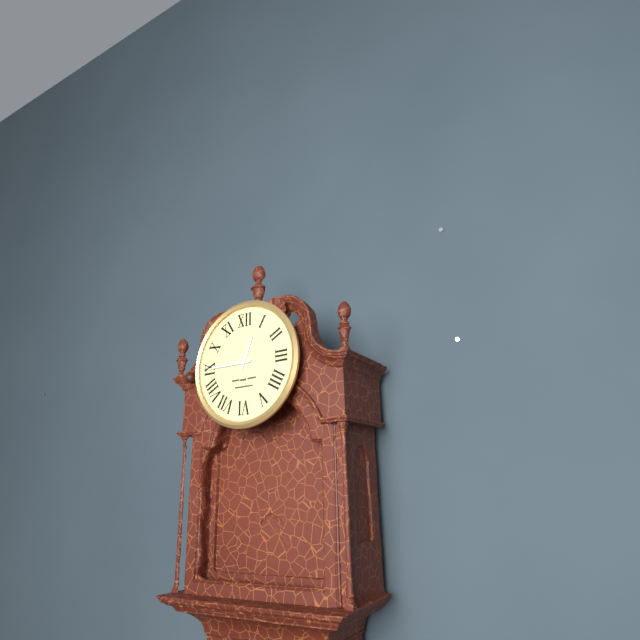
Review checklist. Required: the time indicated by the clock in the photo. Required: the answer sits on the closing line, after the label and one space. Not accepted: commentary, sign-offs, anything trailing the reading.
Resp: 12:45
